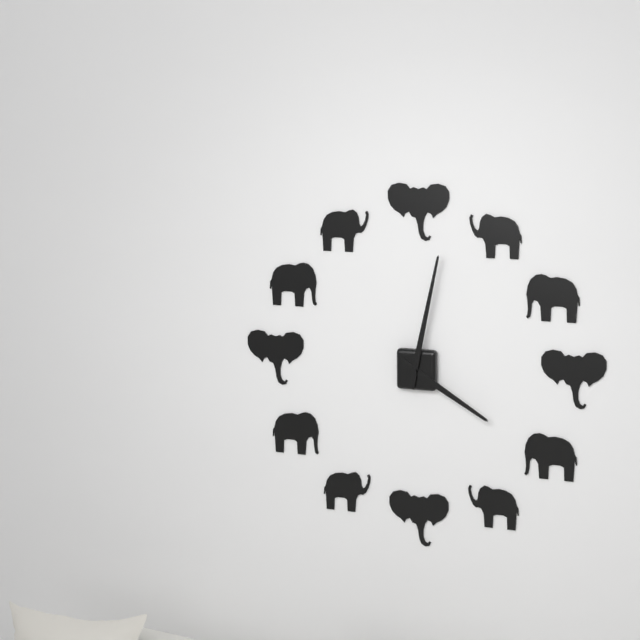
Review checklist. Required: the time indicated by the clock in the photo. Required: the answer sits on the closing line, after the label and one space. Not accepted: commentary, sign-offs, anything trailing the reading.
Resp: 4:02
